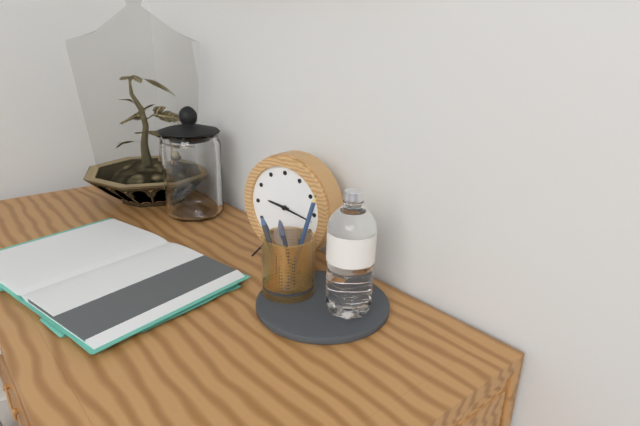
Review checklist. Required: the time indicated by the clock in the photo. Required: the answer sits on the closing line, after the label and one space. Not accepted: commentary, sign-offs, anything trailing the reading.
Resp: 9:17
